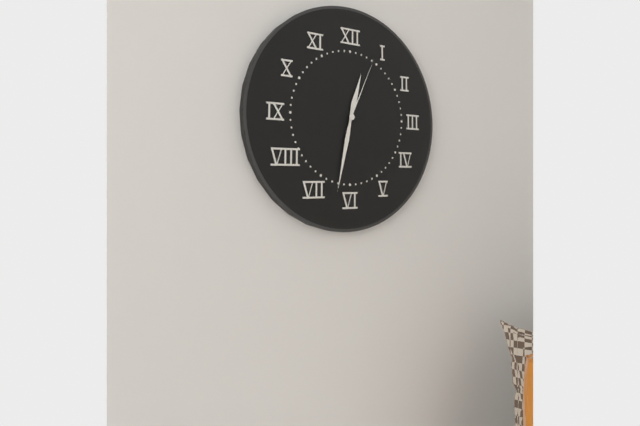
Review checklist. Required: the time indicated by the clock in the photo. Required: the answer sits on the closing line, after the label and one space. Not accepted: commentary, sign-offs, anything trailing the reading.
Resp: 12:32:04
